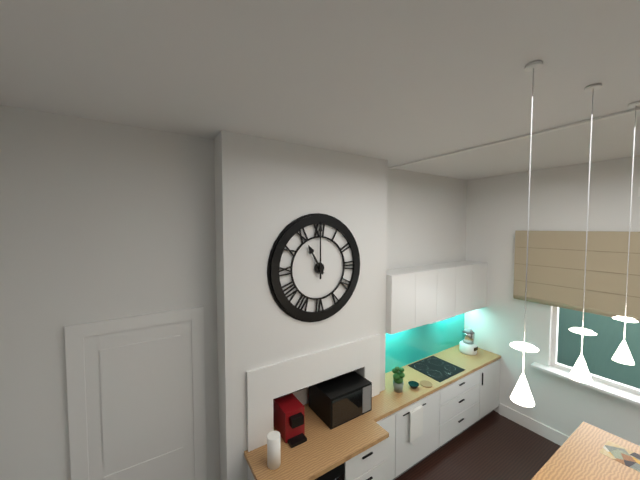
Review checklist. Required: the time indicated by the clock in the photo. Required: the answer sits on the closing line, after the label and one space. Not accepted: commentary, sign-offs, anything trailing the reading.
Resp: 11:00
